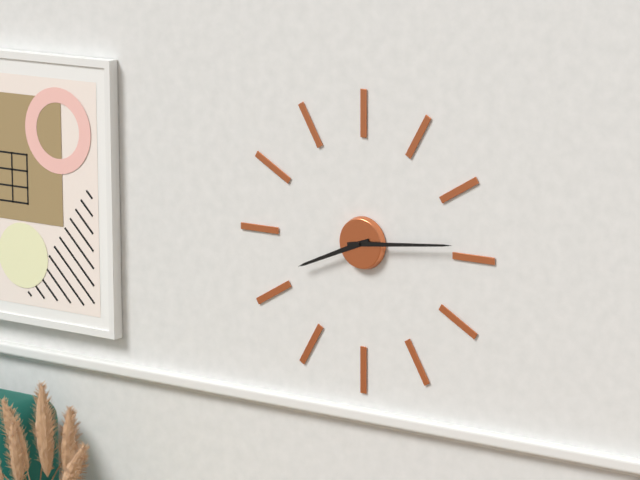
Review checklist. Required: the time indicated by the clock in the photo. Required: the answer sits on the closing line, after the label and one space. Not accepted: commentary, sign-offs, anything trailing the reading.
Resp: 8:14
